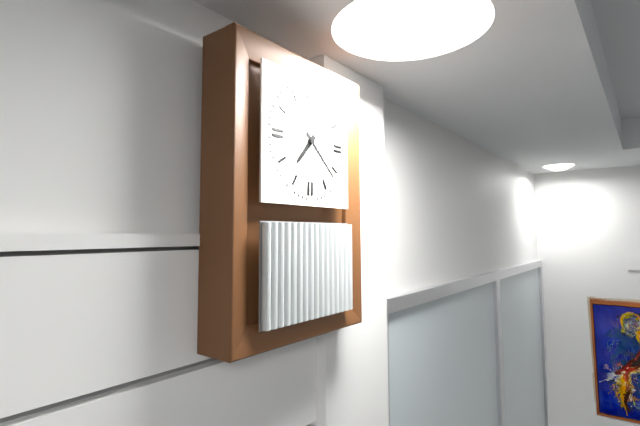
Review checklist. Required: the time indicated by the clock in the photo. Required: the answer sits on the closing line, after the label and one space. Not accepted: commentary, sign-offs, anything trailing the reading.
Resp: 7:22
